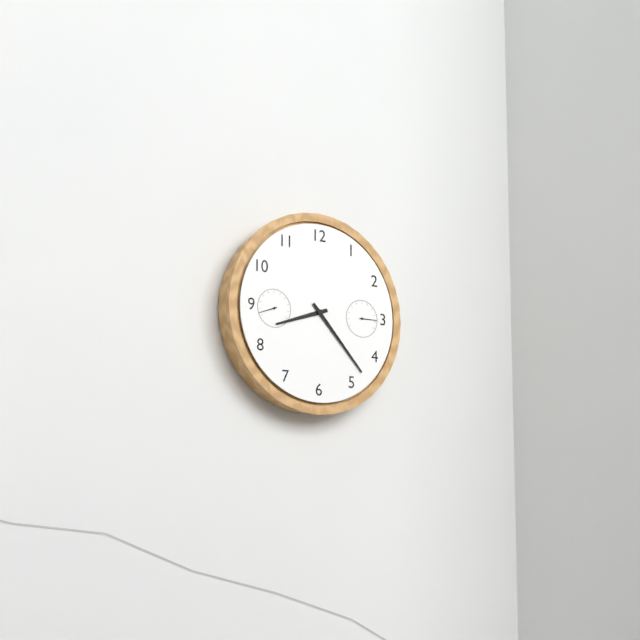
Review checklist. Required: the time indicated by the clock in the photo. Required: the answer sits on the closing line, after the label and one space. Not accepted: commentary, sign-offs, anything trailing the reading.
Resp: 8:23
